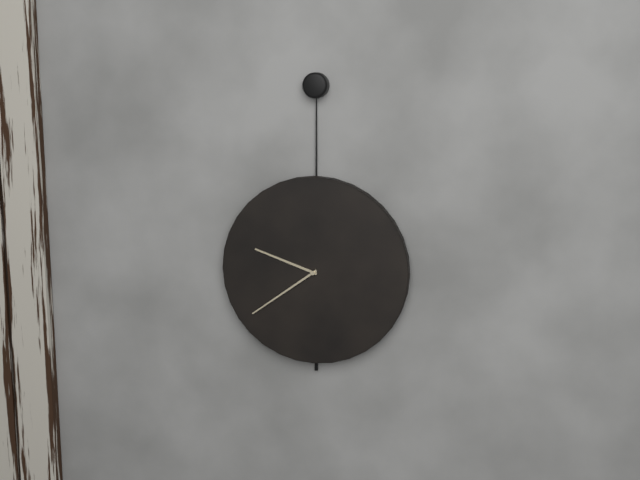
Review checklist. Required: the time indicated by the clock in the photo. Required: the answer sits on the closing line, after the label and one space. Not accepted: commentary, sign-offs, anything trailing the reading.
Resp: 9:39
